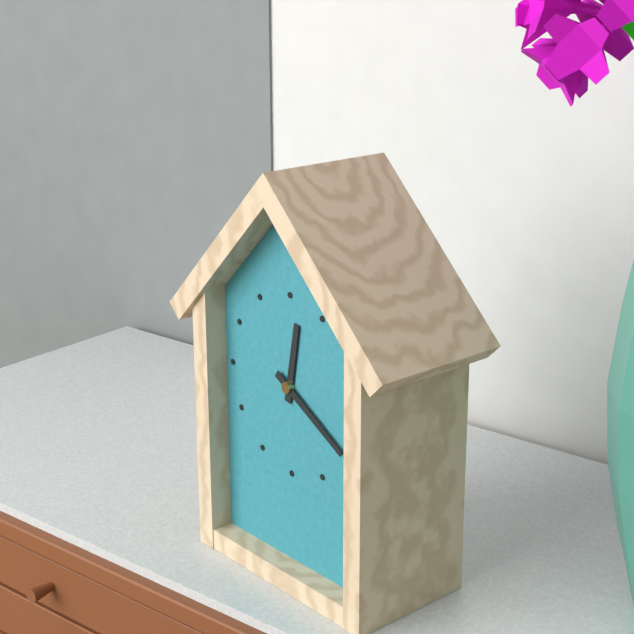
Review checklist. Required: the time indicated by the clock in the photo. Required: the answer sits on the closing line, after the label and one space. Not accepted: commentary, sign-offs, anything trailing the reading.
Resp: 12:20
